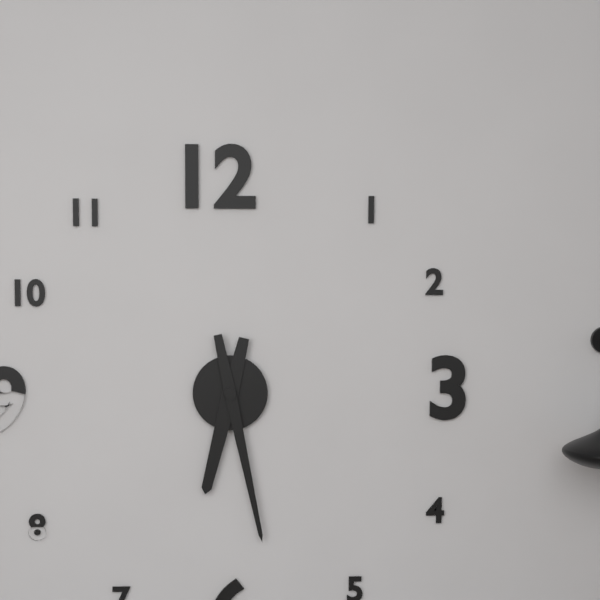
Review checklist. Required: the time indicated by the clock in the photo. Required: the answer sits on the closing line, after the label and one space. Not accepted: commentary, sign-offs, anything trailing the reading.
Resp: 6:28
